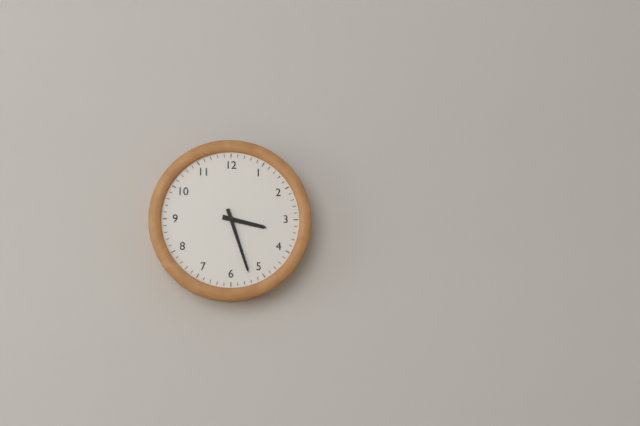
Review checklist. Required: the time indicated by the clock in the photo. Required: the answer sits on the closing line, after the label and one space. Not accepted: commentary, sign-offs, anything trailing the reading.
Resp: 3:27
